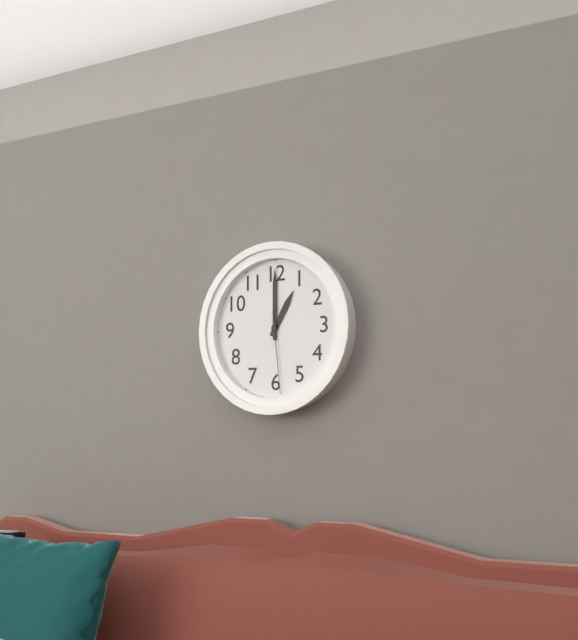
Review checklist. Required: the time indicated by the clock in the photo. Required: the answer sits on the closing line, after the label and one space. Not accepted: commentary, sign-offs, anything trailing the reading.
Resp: 1:00:29
